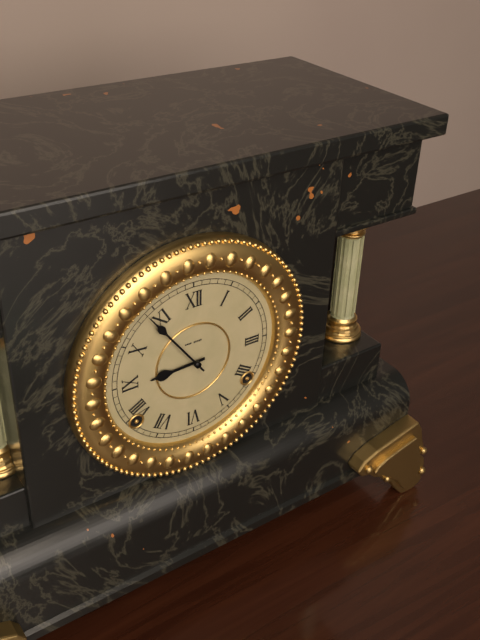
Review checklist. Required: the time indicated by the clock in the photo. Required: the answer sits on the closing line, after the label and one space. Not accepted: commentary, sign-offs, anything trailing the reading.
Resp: 8:54
